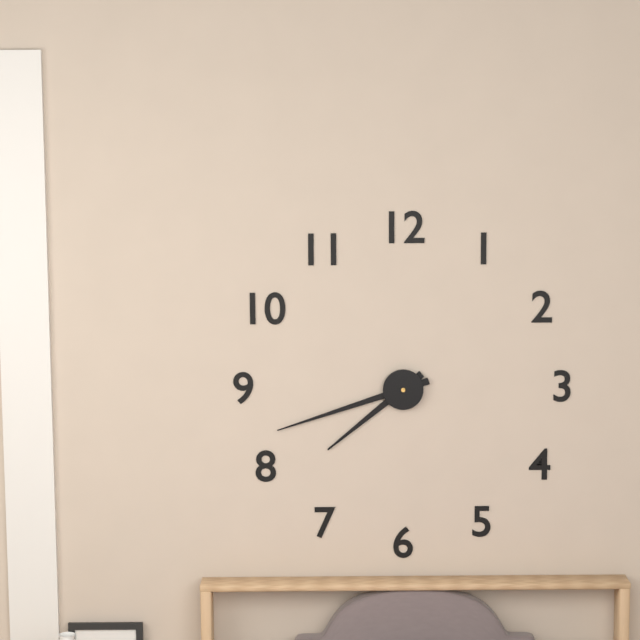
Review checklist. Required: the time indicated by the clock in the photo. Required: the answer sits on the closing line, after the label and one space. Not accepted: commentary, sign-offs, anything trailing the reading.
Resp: 7:42
